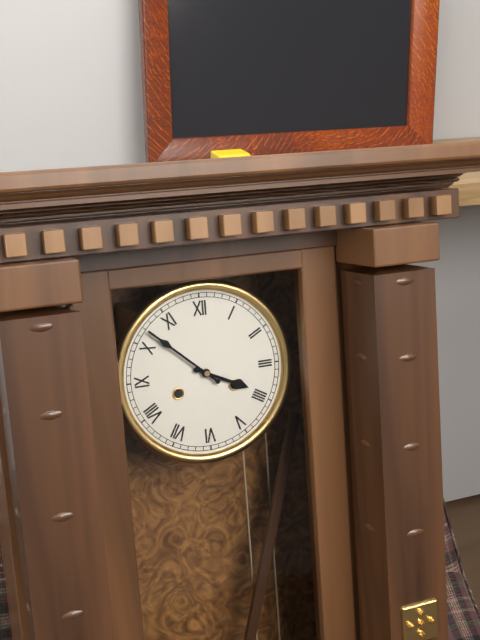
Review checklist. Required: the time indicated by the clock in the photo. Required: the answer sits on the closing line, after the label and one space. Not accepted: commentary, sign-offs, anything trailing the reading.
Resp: 3:52
